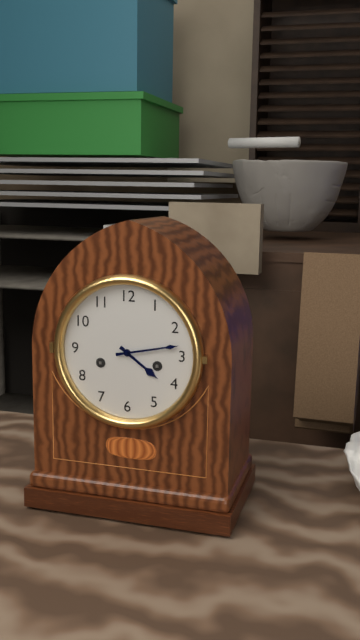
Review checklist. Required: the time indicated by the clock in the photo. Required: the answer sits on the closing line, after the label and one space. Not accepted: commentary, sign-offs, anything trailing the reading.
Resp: 4:13
